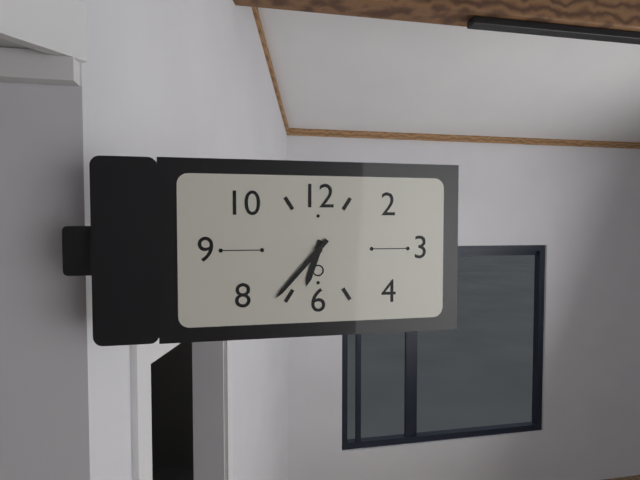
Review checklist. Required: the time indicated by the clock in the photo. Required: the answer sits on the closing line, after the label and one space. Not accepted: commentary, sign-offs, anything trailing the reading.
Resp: 6:37
